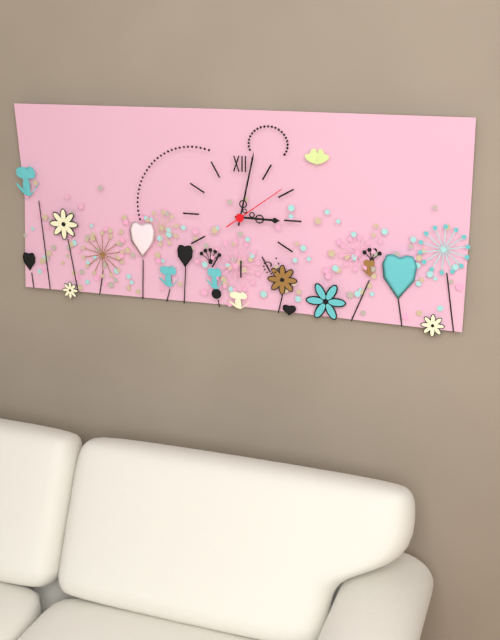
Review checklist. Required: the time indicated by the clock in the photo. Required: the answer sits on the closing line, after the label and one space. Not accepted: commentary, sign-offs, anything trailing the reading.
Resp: 3:02:09
